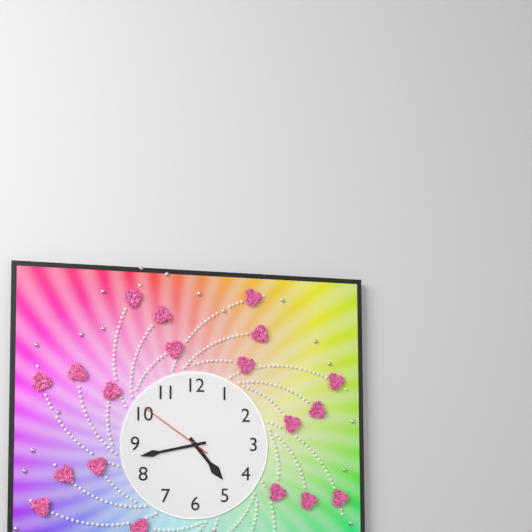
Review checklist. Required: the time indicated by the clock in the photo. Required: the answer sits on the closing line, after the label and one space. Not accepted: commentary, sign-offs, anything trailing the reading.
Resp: 4:43:51
